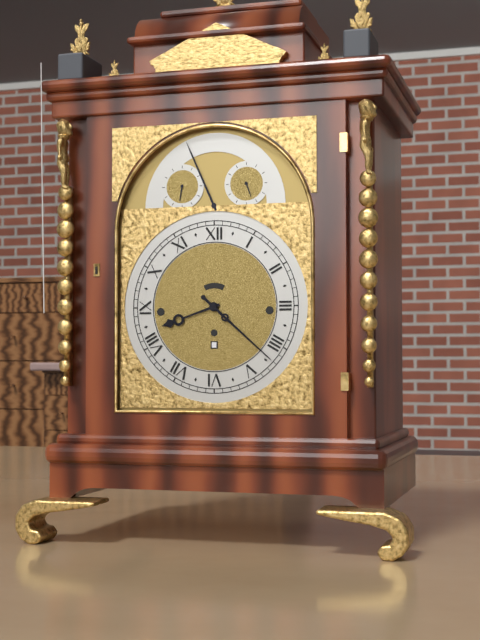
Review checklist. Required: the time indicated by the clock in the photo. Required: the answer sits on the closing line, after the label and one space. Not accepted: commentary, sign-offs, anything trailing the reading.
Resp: 8:22
